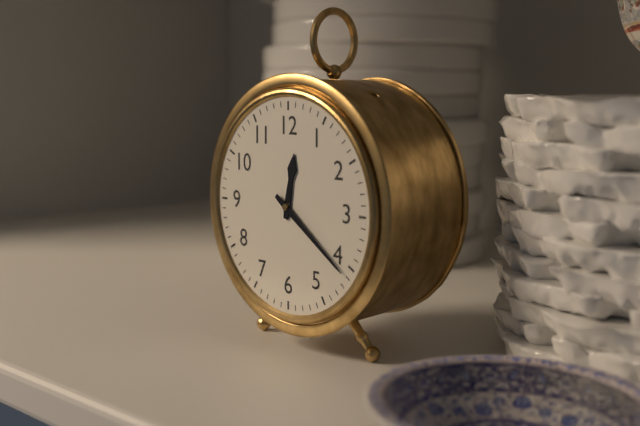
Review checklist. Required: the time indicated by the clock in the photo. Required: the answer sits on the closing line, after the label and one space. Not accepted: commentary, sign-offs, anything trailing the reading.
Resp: 12:21
